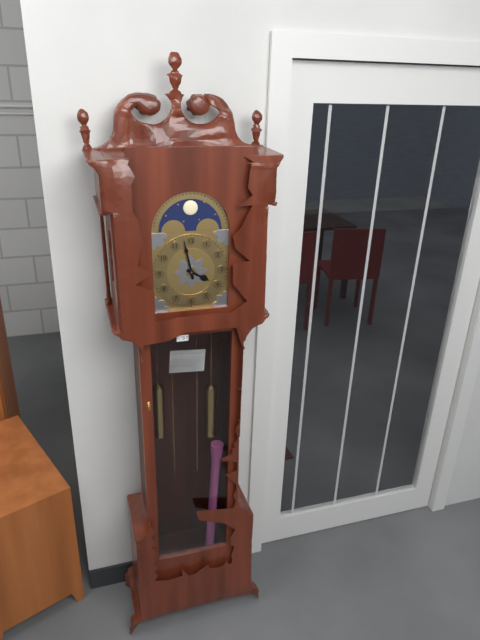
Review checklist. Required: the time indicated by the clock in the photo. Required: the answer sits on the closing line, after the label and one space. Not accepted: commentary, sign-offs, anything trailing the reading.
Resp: 3:58
